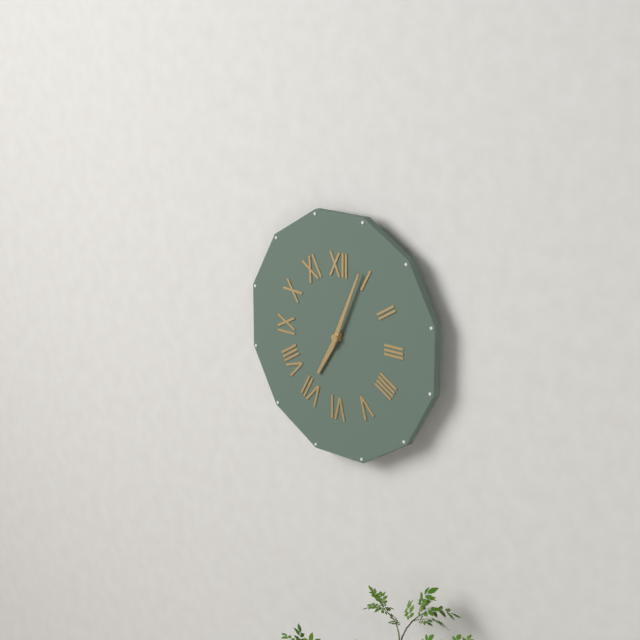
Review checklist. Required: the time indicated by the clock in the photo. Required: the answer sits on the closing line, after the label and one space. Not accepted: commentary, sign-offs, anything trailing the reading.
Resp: 7:04
